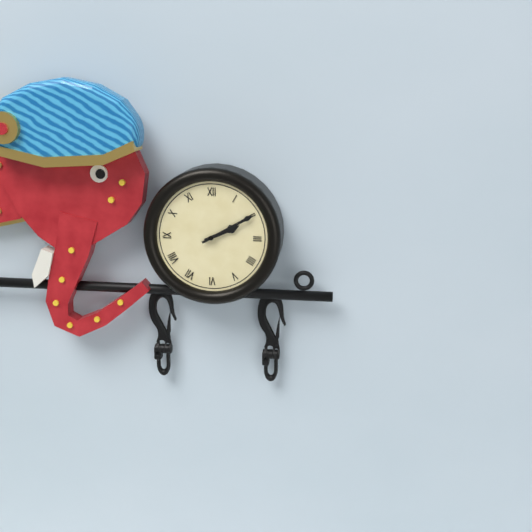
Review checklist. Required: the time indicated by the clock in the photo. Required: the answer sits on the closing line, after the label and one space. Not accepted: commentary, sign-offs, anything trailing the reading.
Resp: 2:10
